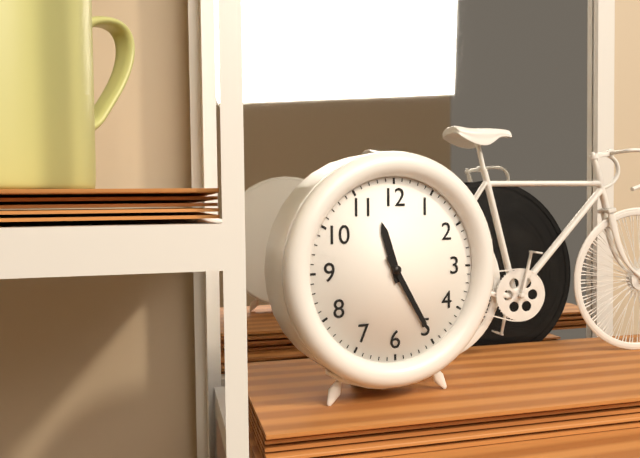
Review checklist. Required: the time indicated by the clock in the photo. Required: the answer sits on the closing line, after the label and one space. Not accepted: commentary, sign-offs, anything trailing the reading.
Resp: 11:25
